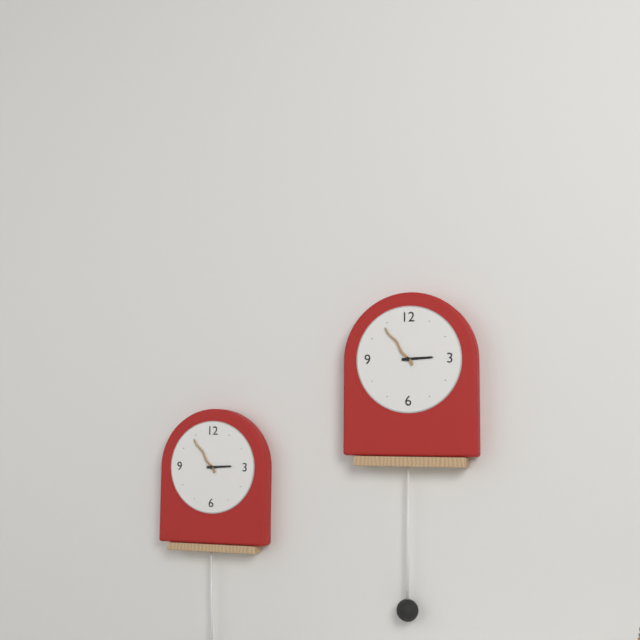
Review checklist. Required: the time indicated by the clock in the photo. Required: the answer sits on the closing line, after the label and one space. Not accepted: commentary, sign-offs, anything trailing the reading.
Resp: 2:54
